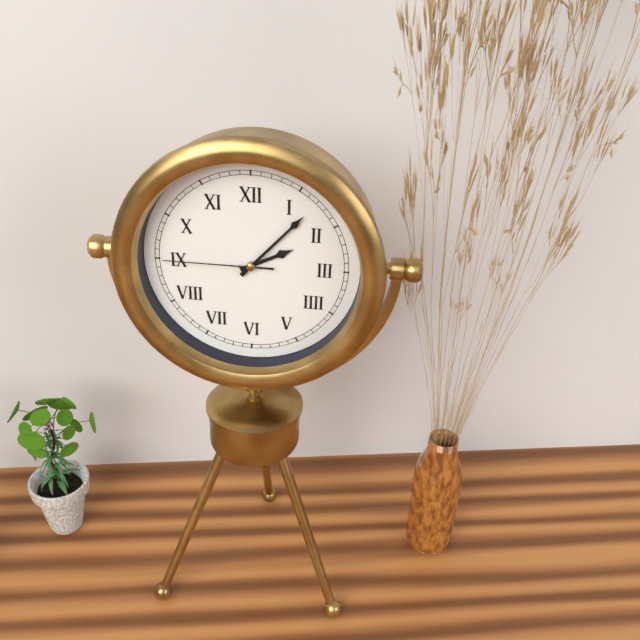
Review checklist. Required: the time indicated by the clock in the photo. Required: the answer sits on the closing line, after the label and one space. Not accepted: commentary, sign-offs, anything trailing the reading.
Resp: 2:07:45
